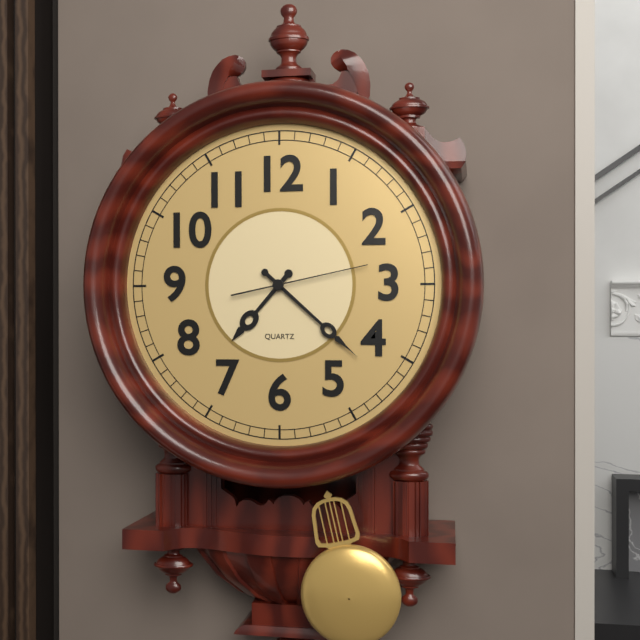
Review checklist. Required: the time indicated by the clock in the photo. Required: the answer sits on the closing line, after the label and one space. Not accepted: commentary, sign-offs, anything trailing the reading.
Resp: 7:22:13
